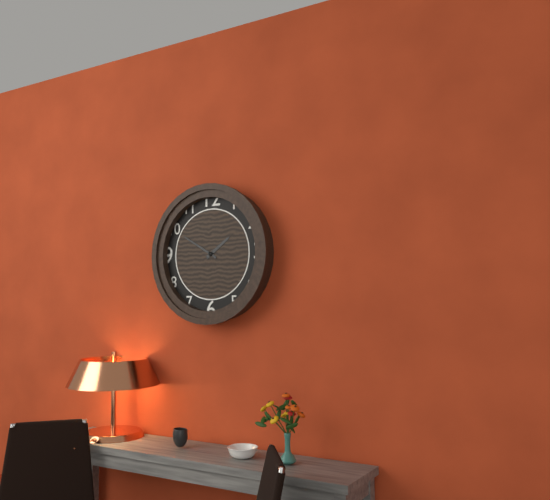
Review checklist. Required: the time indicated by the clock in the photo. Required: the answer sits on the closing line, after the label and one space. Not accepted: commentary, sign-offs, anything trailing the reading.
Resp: 1:50
